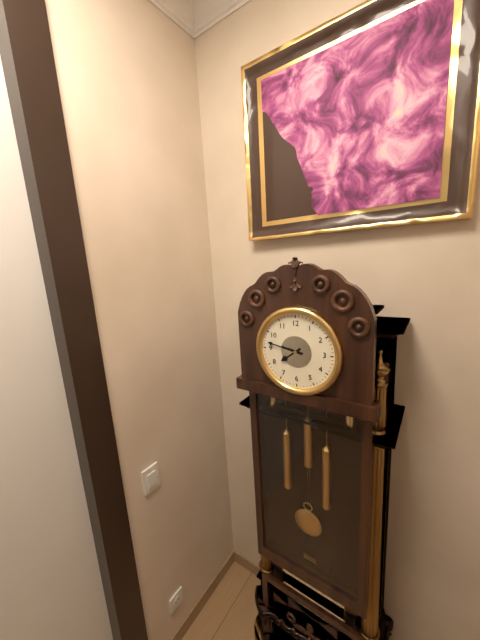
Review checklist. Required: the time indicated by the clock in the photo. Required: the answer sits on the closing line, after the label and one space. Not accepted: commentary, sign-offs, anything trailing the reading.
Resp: 7:47
